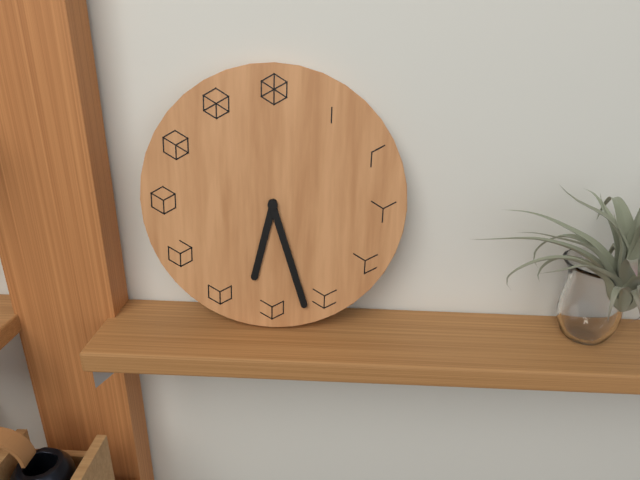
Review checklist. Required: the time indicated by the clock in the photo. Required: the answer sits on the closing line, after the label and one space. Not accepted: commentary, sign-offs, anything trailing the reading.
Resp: 6:27
